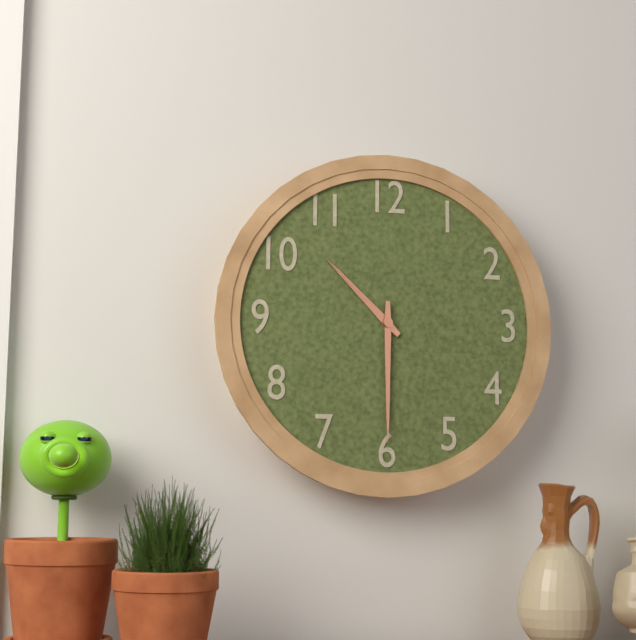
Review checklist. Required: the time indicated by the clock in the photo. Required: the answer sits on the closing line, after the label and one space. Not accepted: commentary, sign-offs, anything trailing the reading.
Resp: 10:30
